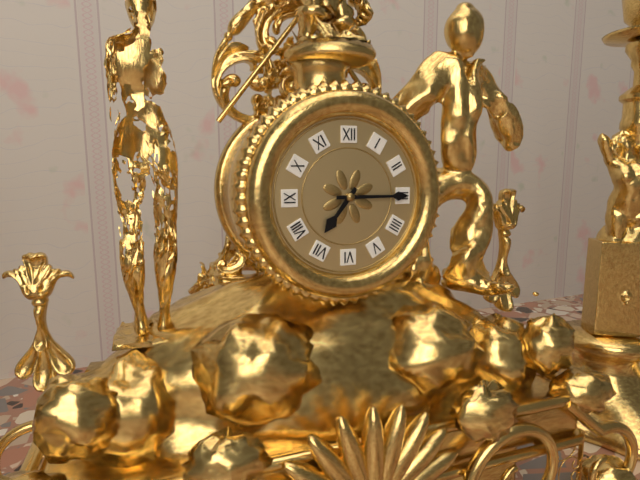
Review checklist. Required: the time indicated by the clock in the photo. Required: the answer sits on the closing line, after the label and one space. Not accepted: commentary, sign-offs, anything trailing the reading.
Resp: 7:15
